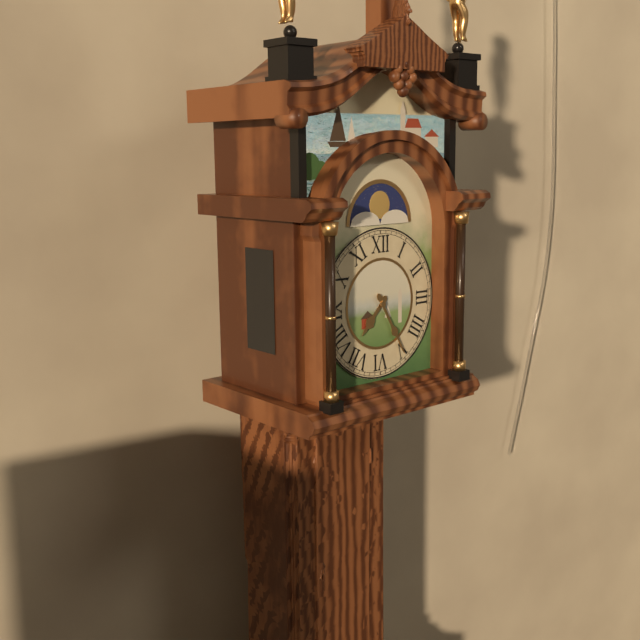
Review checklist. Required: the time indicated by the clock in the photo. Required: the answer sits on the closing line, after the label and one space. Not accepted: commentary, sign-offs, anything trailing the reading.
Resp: 7:25
